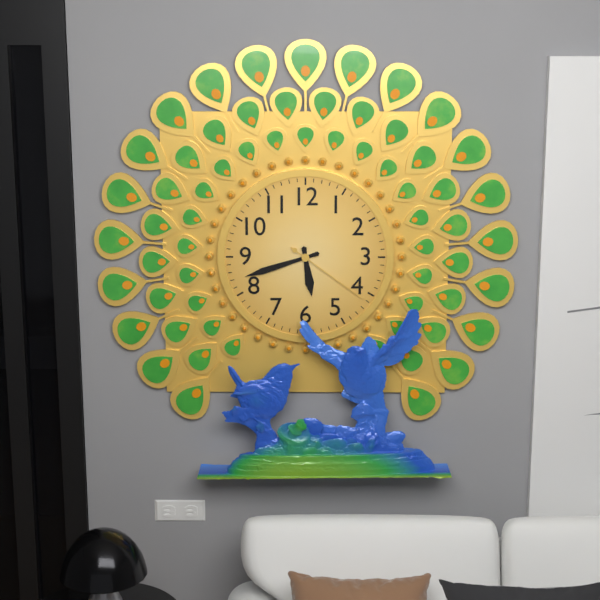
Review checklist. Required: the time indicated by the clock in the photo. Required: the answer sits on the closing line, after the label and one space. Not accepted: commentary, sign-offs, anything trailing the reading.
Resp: 5:42:21
